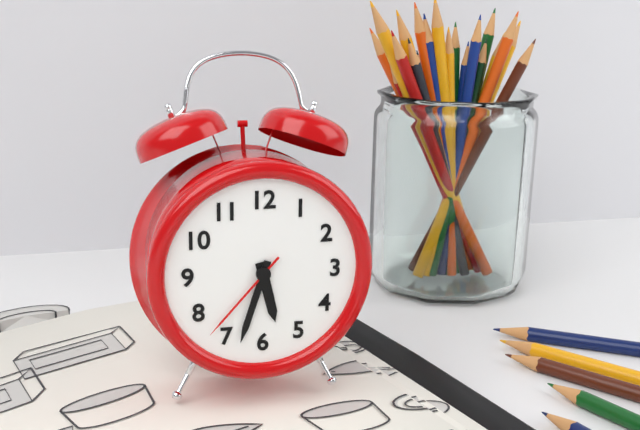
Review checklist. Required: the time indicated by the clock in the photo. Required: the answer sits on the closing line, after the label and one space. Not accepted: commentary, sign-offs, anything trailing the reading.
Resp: 5:33:37
